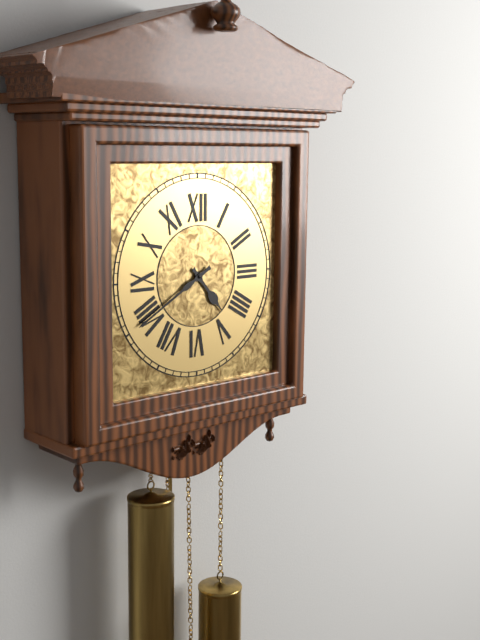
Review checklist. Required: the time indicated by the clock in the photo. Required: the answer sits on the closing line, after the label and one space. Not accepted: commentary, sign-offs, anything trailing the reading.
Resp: 4:40
